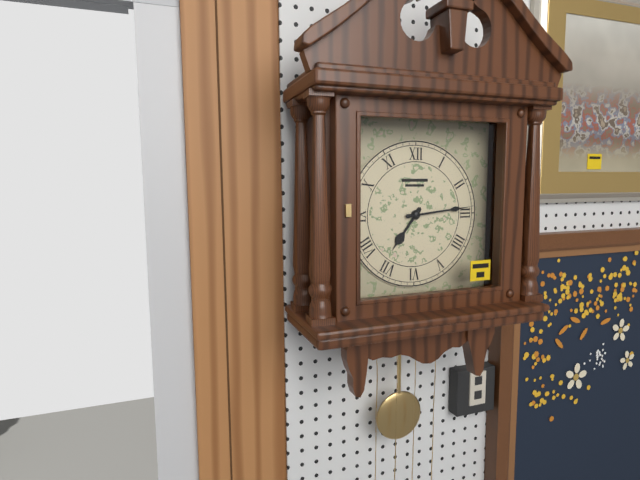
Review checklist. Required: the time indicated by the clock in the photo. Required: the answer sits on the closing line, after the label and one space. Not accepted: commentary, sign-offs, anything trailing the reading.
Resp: 7:14
